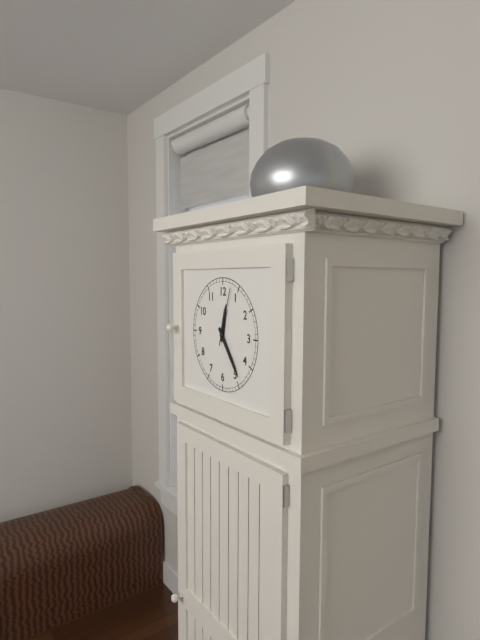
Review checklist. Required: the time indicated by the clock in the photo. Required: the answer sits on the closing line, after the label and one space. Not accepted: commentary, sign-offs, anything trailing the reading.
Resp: 12:24:03
